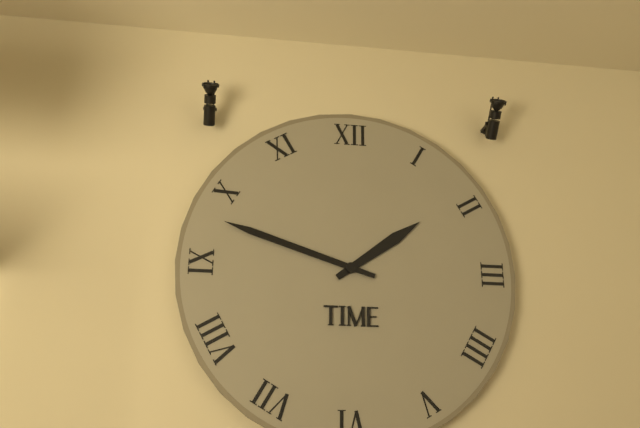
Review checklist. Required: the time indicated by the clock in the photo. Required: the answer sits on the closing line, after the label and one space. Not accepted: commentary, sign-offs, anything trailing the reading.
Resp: 1:48
